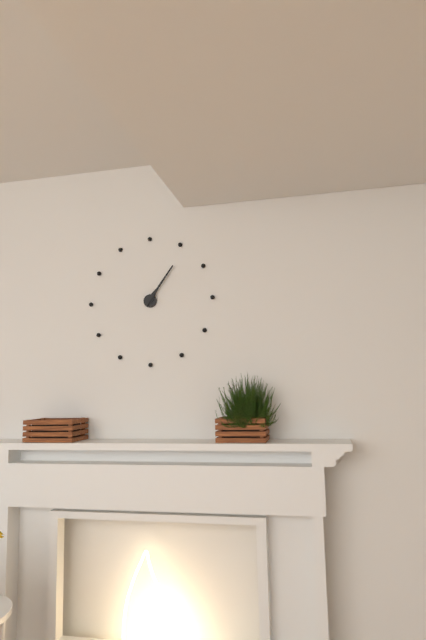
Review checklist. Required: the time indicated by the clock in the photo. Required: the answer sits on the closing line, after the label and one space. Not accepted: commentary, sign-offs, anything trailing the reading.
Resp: 1:06
